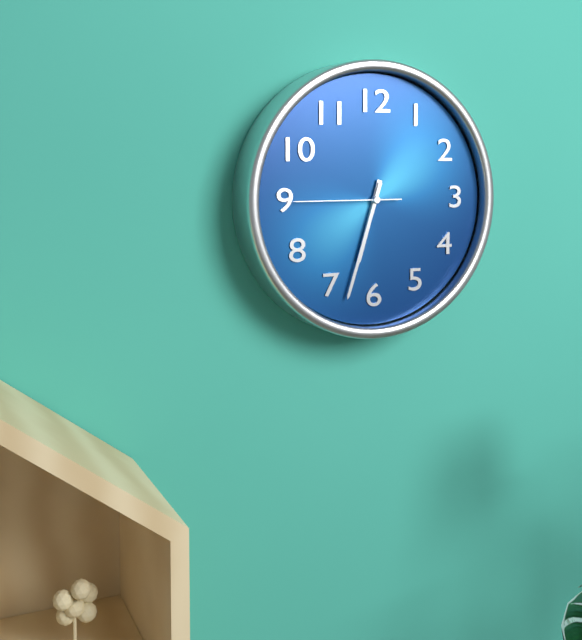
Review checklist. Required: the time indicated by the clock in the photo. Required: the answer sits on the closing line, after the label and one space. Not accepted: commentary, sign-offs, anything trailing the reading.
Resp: 6:33:45
